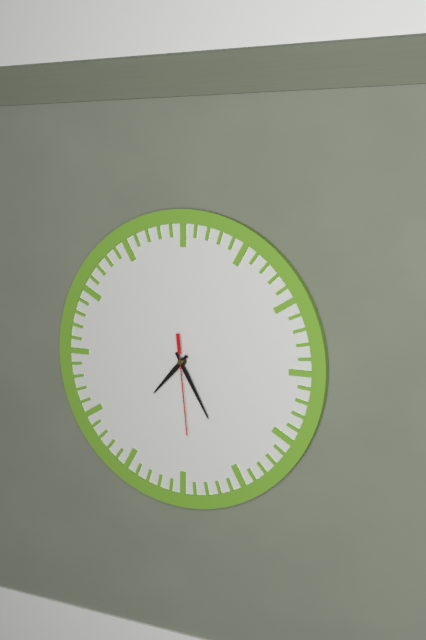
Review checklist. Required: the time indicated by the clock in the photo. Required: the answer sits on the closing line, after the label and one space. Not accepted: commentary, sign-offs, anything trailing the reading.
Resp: 7:25:29
